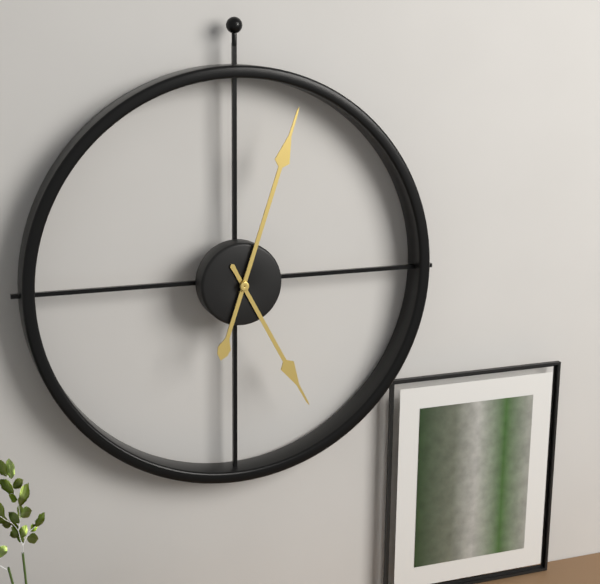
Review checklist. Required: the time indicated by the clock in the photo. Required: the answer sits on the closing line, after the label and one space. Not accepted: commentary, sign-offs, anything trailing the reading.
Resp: 5:03
